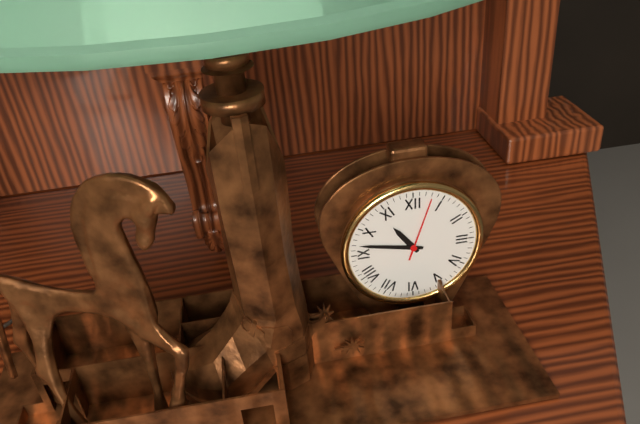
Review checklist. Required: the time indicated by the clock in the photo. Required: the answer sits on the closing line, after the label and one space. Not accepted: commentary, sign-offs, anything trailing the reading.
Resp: 10:47:03
